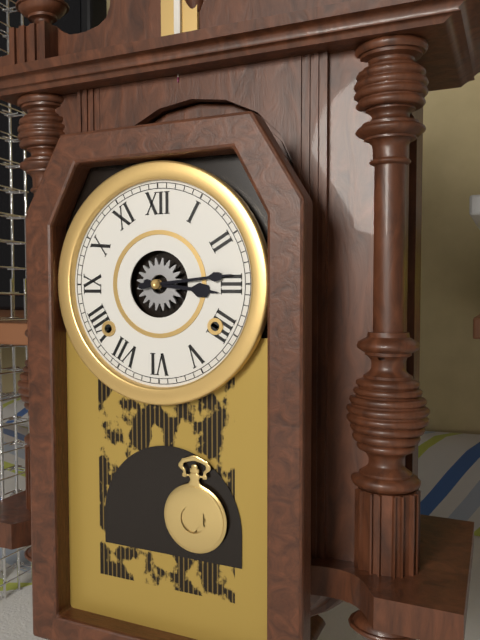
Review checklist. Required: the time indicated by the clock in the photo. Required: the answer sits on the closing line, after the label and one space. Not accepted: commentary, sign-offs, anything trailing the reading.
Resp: 3:14
